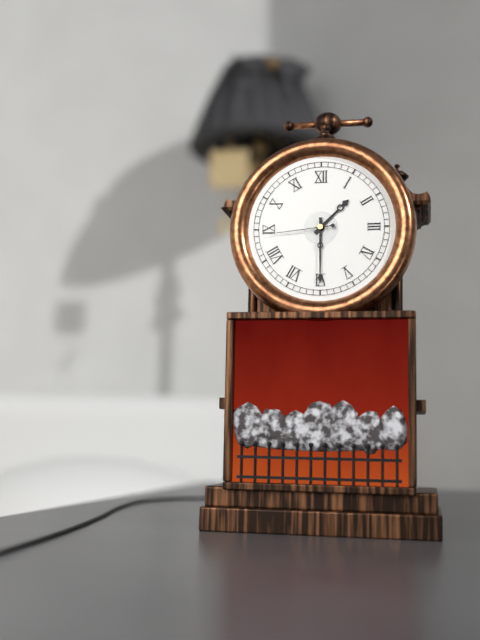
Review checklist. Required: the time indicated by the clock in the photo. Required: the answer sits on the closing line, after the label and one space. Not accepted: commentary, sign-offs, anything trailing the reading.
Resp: 1:30:44
